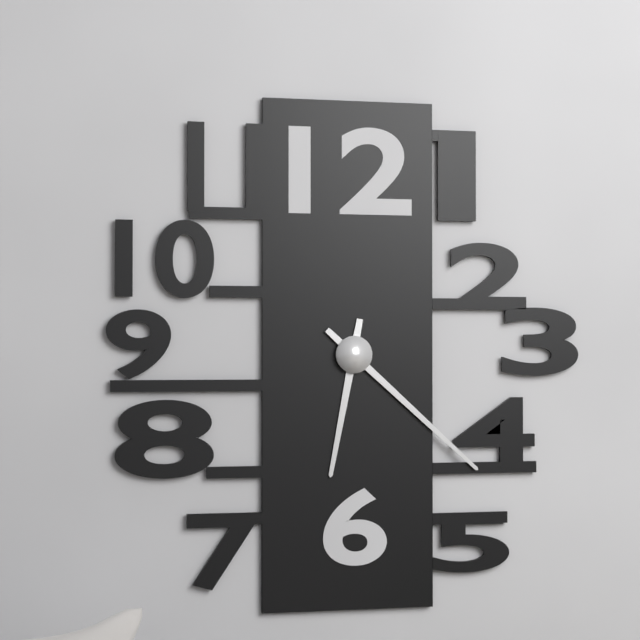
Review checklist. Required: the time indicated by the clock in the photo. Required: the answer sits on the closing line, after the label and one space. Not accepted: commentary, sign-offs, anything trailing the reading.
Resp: 6:22
